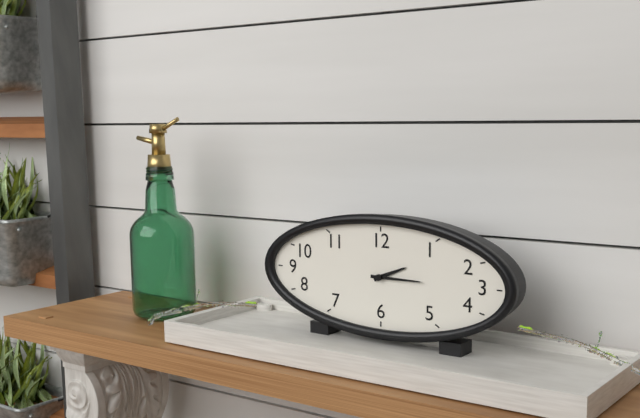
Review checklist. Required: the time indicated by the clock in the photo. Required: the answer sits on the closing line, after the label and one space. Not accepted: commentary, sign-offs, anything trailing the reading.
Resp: 2:15
